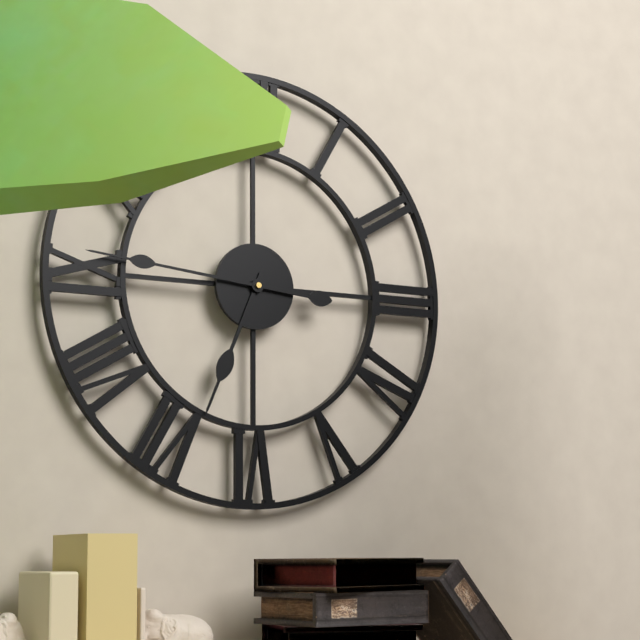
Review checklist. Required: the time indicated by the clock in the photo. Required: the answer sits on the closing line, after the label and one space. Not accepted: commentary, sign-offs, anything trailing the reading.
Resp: 6:46
